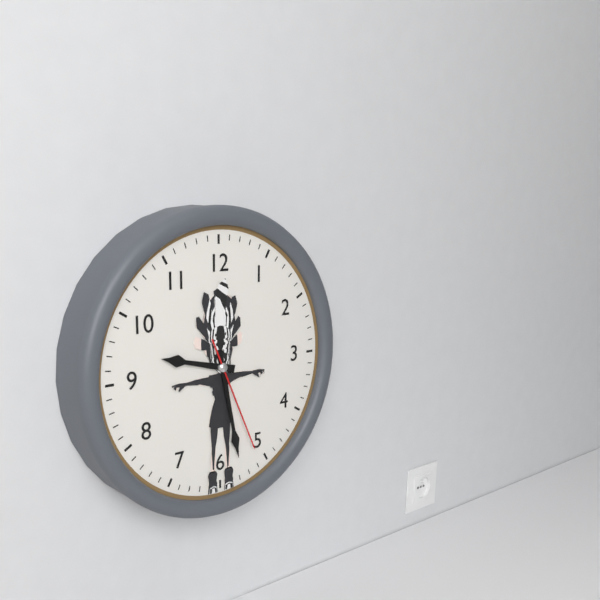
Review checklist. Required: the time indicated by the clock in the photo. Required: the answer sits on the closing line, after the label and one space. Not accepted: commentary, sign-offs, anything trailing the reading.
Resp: 9:28:26
